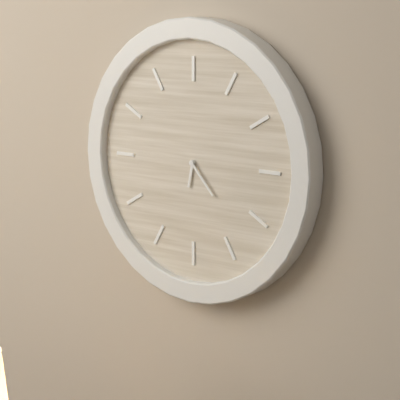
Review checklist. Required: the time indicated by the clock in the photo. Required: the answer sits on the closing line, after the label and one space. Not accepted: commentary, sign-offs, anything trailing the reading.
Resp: 6:23
